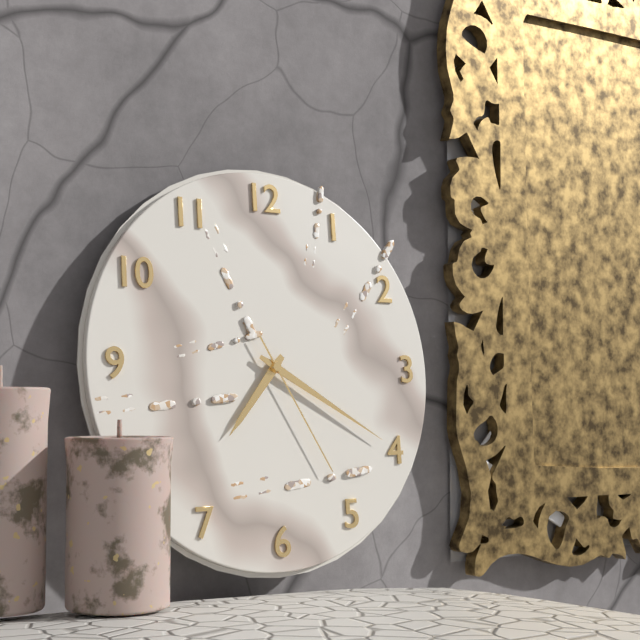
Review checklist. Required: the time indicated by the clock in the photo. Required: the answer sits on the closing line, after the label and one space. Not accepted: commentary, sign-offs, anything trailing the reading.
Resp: 7:20:25
